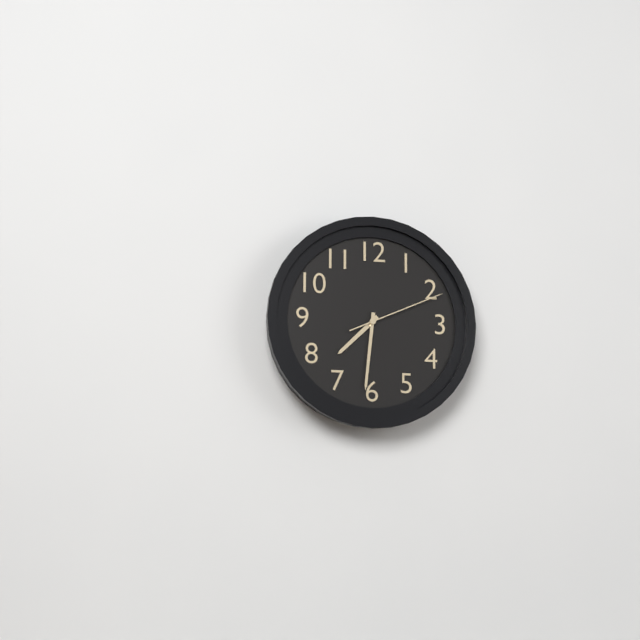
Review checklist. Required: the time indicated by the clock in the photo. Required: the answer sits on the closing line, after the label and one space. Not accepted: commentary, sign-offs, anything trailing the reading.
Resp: 7:31:11
